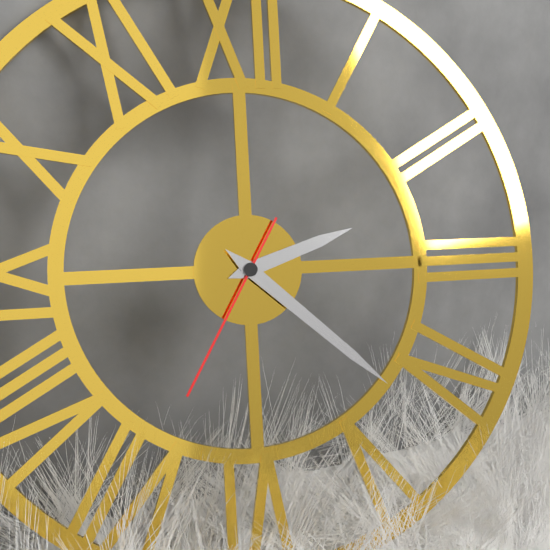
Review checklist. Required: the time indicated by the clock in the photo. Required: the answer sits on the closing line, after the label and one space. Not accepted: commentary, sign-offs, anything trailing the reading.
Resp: 2:22:35
